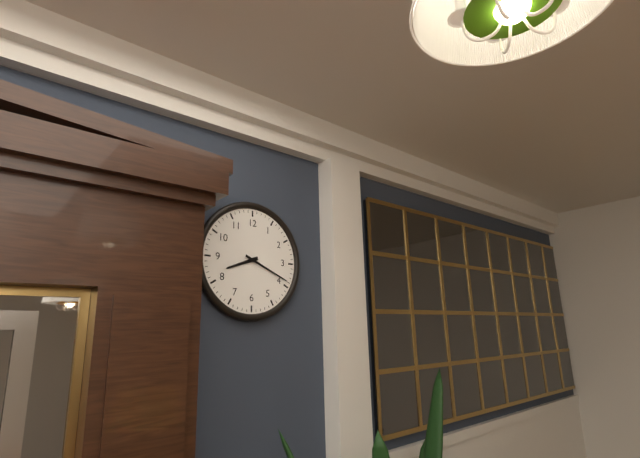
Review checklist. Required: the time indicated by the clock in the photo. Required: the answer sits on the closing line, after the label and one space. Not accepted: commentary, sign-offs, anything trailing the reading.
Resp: 8:19
